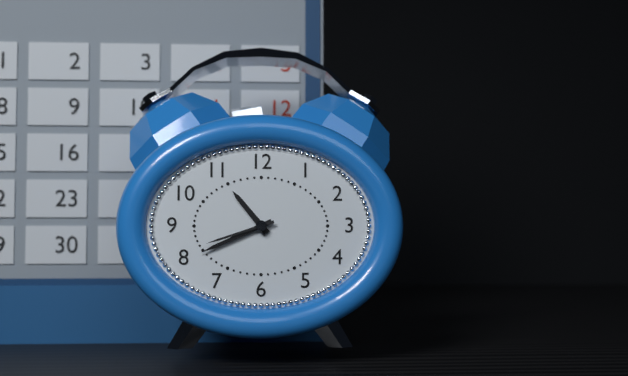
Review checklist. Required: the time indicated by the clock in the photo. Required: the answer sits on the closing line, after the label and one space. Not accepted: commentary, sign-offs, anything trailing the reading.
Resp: 10:41:42
